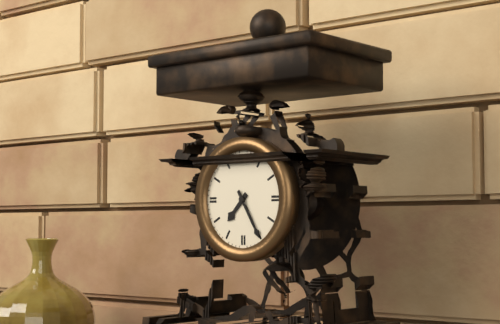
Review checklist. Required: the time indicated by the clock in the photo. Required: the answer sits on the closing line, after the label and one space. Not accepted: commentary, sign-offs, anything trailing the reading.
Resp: 7:25
